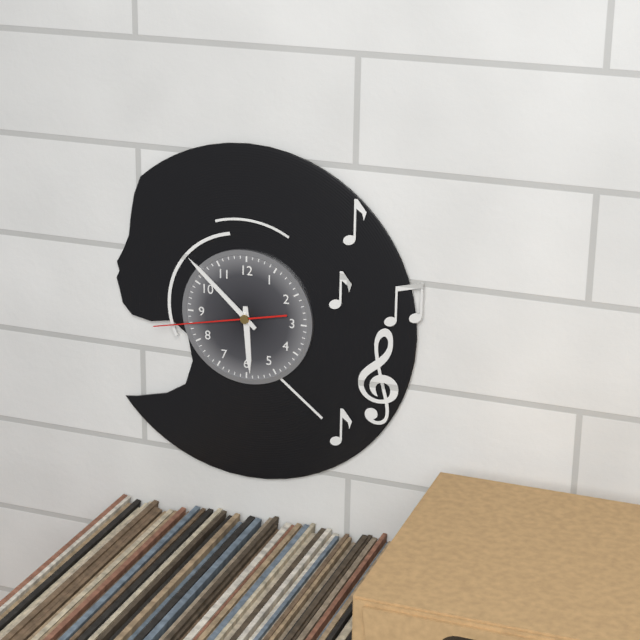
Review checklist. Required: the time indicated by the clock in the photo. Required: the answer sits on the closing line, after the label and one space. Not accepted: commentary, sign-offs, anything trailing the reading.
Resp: 5:52:43
